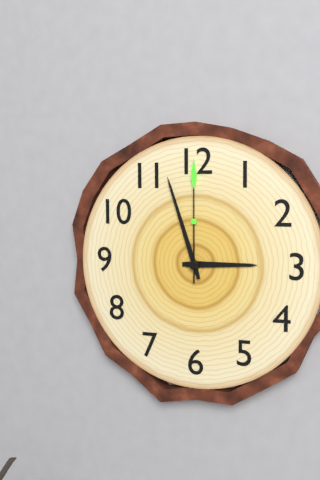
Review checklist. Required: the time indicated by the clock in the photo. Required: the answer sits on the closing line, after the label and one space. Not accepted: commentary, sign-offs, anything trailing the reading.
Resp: 2:57:00
